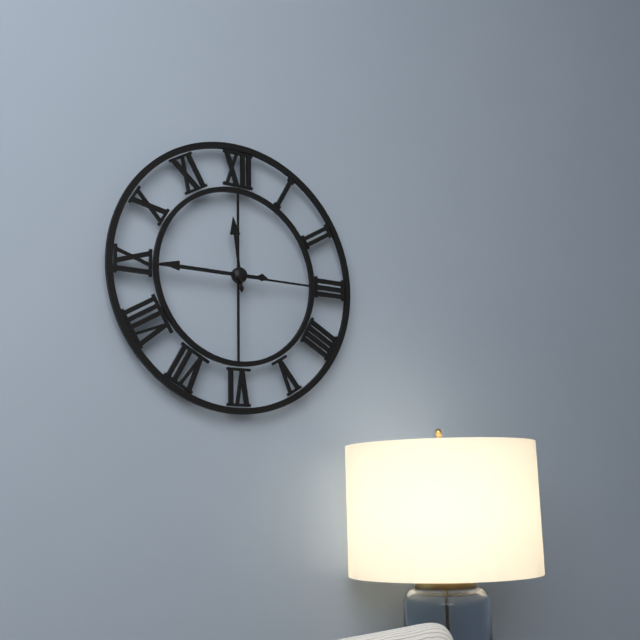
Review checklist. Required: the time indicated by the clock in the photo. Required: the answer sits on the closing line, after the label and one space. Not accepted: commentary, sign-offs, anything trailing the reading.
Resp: 11:45
